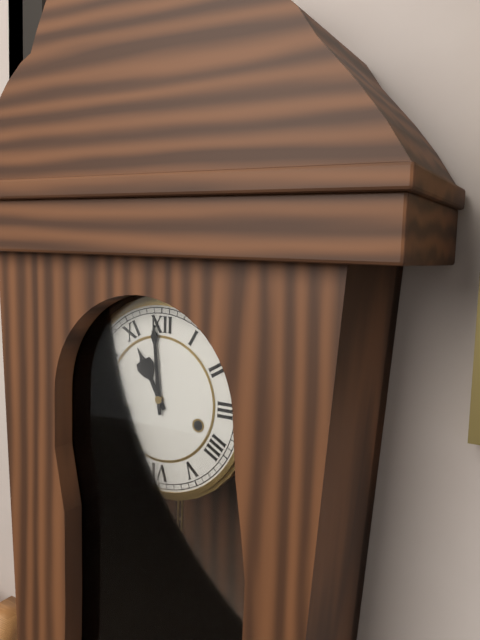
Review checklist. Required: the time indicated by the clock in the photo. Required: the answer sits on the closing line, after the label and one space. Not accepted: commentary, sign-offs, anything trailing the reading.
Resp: 10:59
